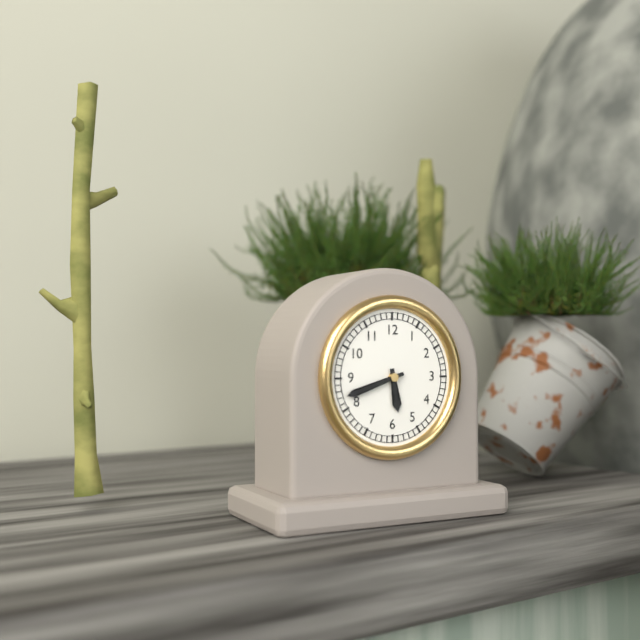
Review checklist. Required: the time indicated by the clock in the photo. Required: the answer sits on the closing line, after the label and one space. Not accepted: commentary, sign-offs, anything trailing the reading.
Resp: 5:42
